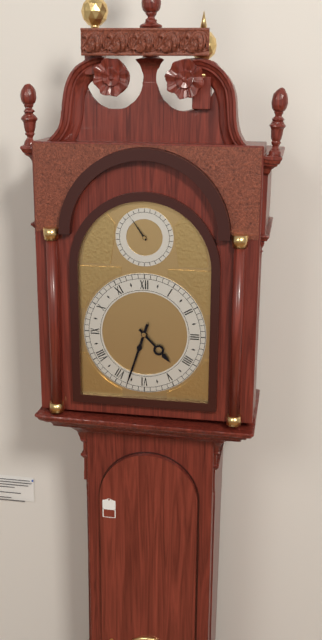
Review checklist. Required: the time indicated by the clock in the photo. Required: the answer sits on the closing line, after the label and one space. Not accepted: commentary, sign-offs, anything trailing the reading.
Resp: 4:33
